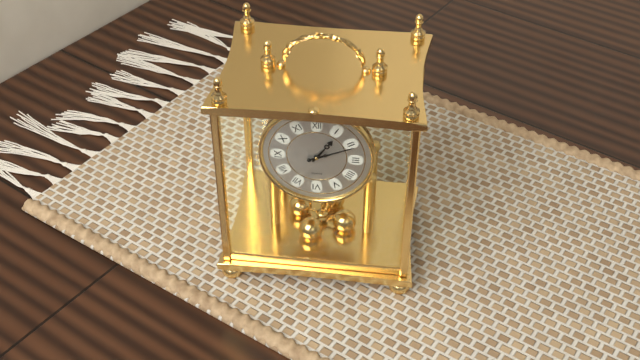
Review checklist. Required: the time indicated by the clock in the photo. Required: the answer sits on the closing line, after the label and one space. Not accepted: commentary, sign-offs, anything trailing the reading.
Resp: 1:11
